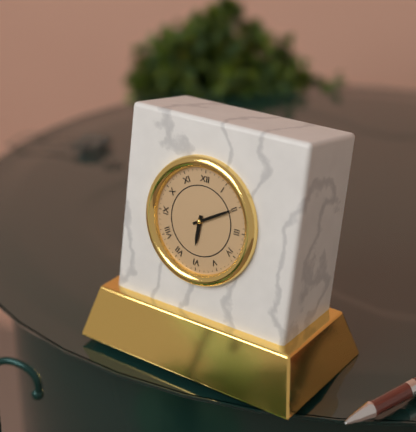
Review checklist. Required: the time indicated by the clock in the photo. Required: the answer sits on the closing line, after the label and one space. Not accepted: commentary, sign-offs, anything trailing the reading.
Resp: 6:10
